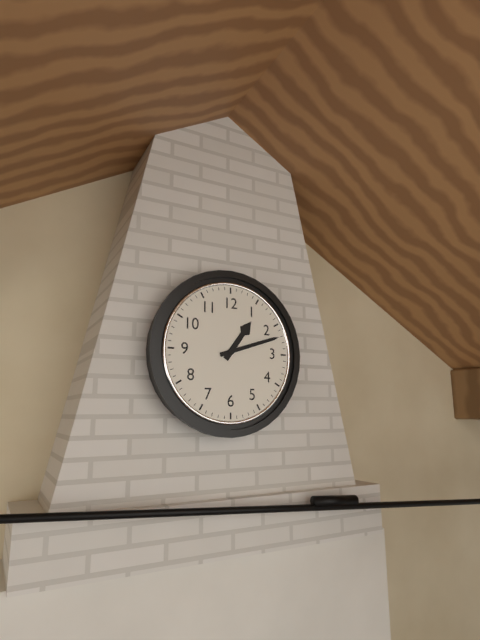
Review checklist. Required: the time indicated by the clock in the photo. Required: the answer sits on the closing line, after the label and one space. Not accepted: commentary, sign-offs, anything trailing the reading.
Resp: 1:12
